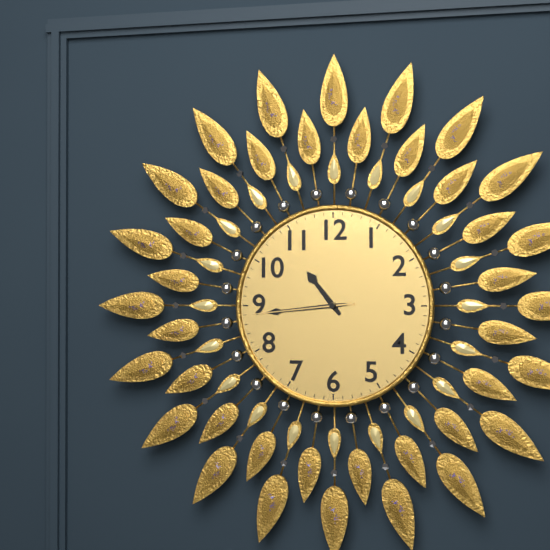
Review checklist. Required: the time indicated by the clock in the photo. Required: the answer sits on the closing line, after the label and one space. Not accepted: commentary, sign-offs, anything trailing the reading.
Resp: 10:44:44
